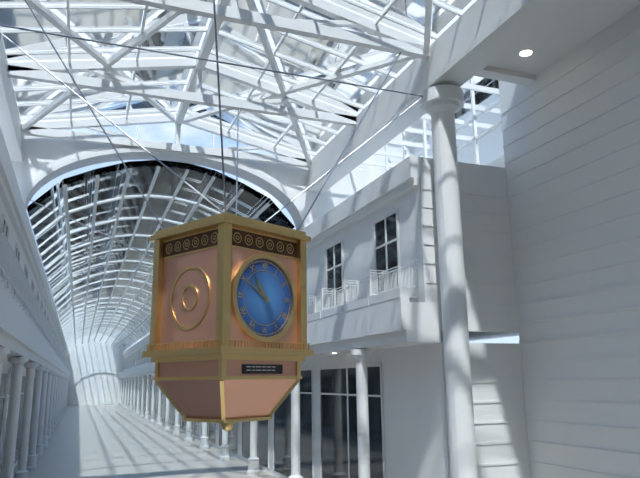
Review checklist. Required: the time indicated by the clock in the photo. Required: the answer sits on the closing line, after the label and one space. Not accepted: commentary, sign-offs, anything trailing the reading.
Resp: 10:50
